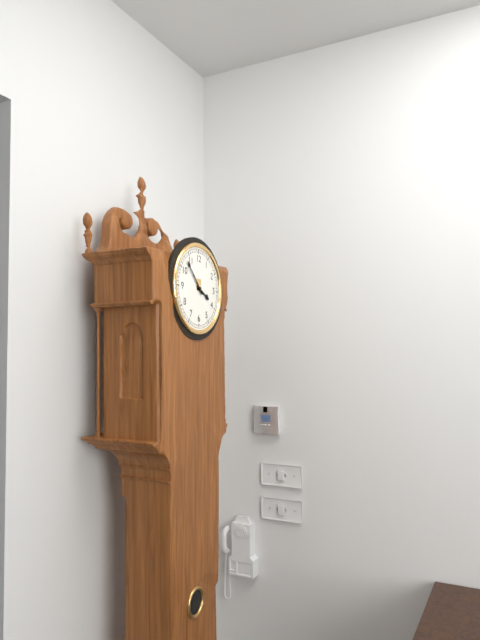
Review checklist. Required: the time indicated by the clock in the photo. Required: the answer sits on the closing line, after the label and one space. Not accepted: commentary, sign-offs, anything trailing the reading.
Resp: 3:53
